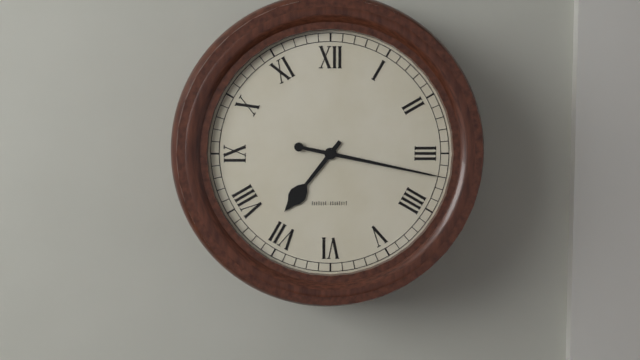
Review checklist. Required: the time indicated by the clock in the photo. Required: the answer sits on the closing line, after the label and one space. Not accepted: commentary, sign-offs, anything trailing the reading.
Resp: 7:17
